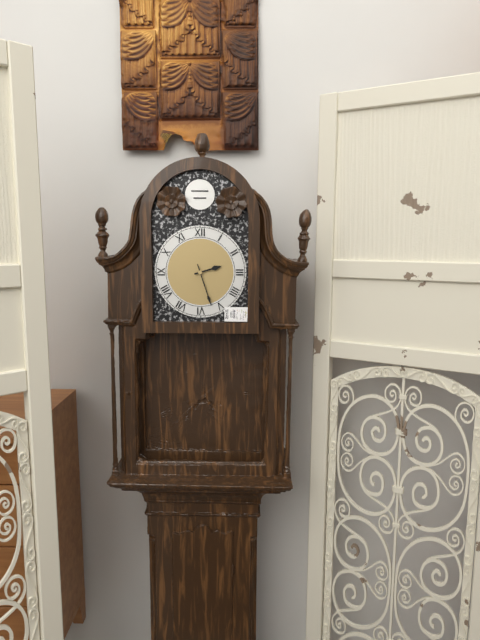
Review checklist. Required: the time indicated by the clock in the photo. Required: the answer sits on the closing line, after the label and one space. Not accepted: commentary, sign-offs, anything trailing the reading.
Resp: 2:27
